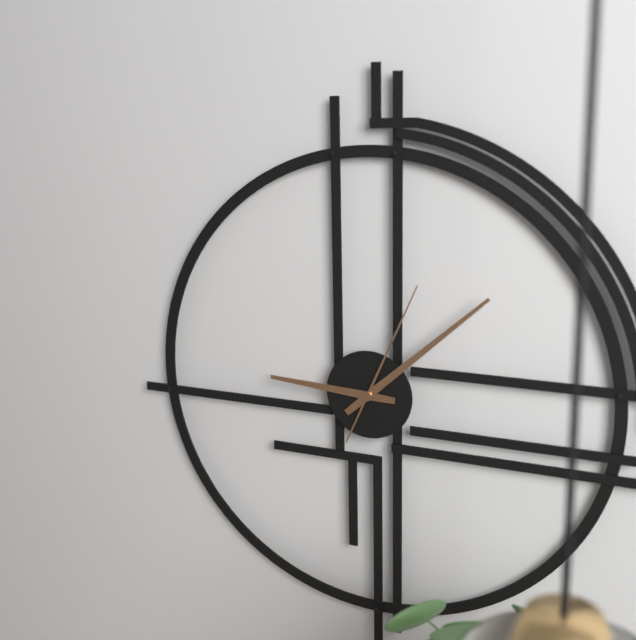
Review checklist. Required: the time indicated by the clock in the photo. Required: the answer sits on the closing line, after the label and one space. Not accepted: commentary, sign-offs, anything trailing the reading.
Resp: 9:08:04
